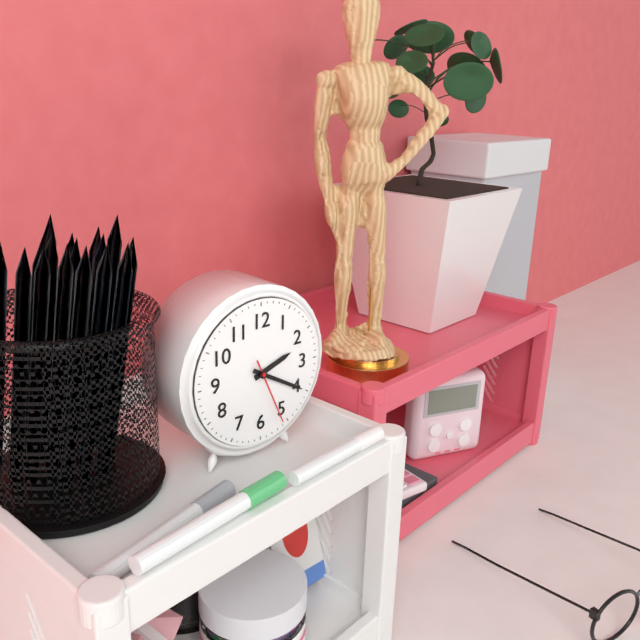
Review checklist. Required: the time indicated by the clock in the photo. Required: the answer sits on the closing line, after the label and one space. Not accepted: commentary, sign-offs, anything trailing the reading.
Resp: 2:20:26
